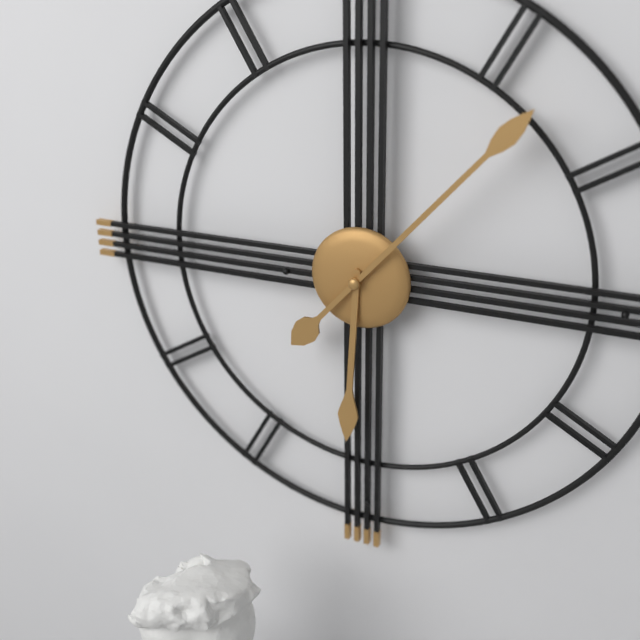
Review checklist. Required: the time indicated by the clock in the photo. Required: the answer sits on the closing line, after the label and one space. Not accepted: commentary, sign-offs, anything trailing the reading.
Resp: 6:07
